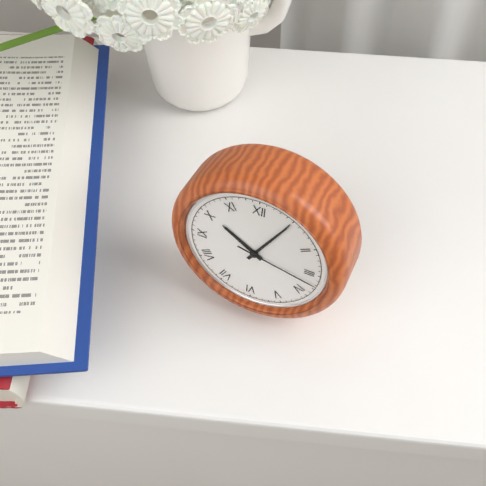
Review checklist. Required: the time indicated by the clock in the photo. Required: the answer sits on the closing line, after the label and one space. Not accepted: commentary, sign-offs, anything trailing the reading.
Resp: 10:05:17
